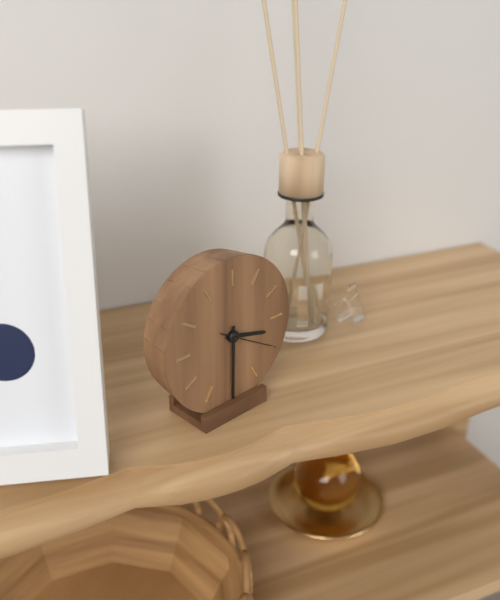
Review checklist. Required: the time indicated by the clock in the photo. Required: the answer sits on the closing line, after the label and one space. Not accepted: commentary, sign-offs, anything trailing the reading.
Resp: 3:30:20
